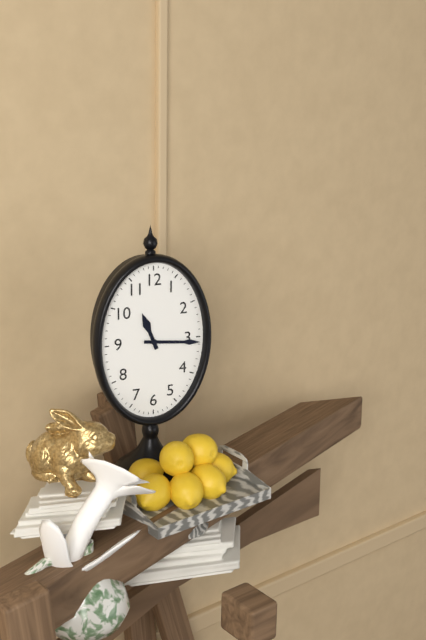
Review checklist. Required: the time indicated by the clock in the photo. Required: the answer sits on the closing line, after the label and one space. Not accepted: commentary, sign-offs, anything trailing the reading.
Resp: 11:16
